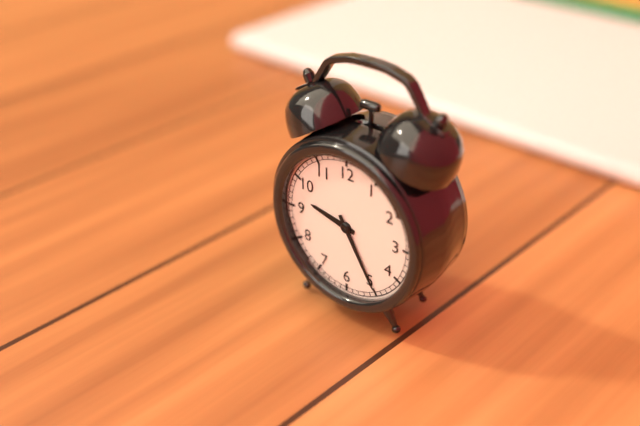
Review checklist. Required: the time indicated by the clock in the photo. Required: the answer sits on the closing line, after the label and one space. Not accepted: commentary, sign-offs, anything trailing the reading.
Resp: 9:25
